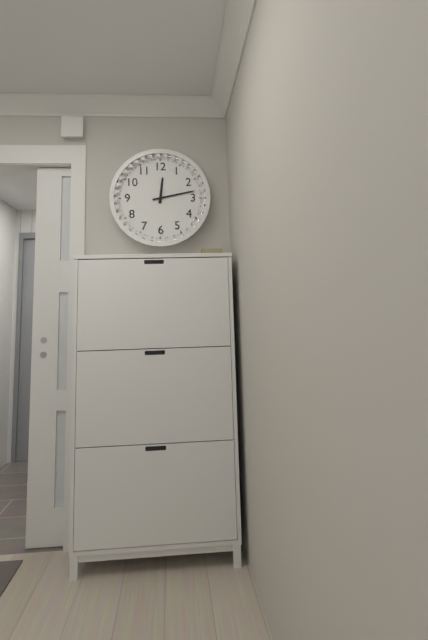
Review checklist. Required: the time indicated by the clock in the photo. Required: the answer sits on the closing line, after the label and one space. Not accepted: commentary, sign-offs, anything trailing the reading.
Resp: 12:13
